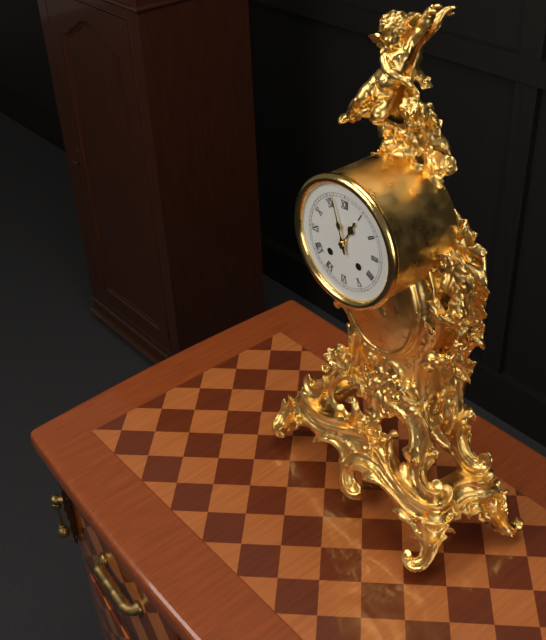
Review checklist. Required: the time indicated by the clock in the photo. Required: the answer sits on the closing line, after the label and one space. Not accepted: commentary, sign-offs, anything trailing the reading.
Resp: 12:57
